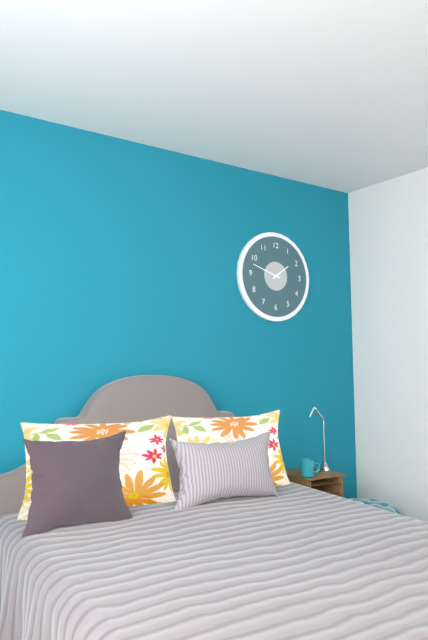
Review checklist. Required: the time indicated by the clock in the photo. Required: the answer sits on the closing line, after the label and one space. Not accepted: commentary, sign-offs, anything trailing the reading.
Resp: 1:48
